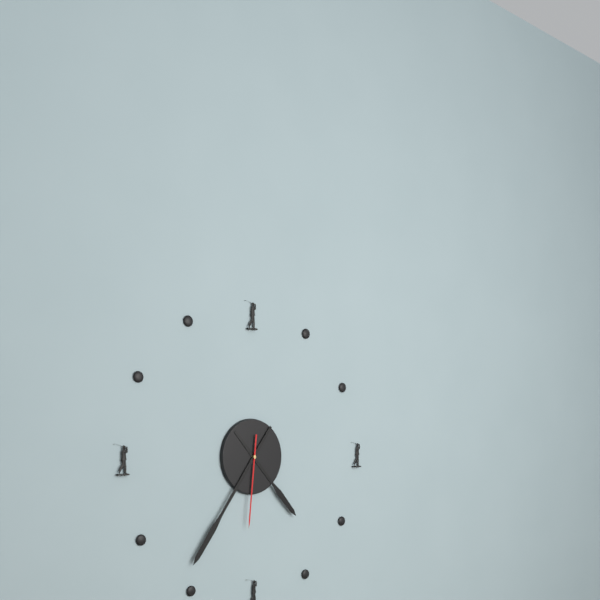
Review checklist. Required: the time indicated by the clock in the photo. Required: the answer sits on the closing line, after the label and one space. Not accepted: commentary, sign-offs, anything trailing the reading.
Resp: 4:36:31
